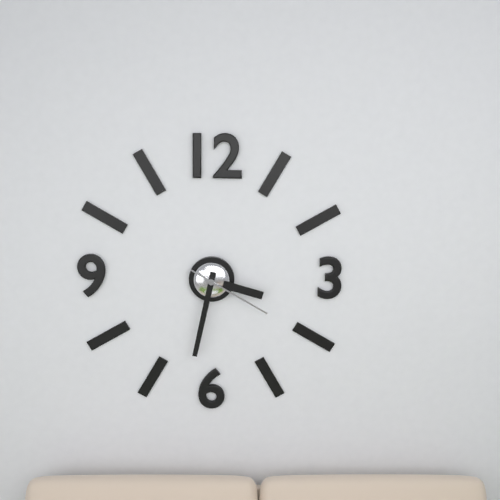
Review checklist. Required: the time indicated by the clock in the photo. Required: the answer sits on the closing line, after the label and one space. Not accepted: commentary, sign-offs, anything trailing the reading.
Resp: 3:32:20
